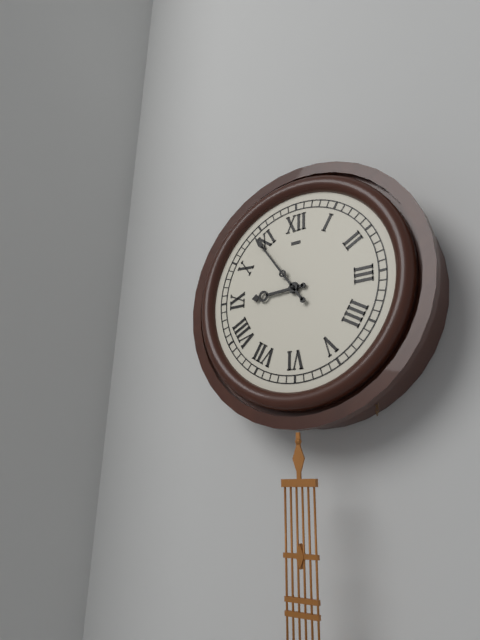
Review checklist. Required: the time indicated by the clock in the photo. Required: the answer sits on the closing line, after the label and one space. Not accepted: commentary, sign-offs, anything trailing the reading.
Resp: 8:54
